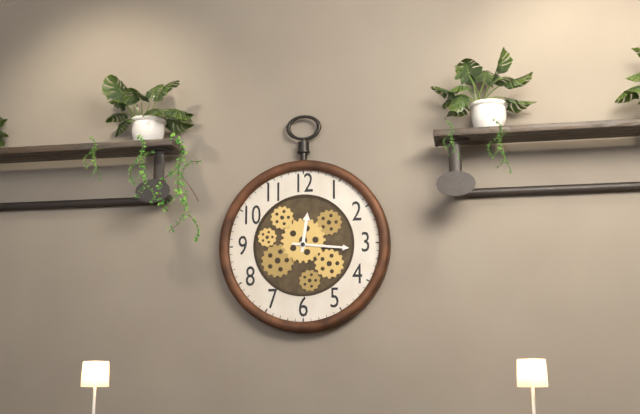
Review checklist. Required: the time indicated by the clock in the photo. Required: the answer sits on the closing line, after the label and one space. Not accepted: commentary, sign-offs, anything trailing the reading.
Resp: 12:16
